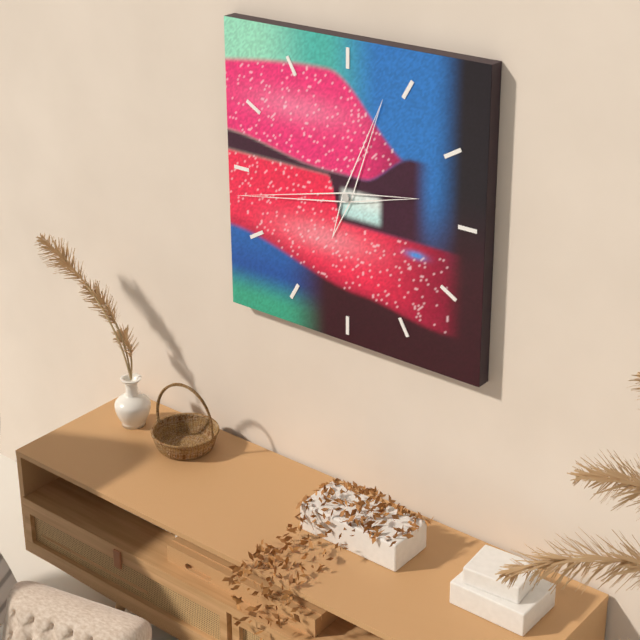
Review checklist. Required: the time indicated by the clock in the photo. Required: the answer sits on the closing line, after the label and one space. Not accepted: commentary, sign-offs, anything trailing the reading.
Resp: 12:43
